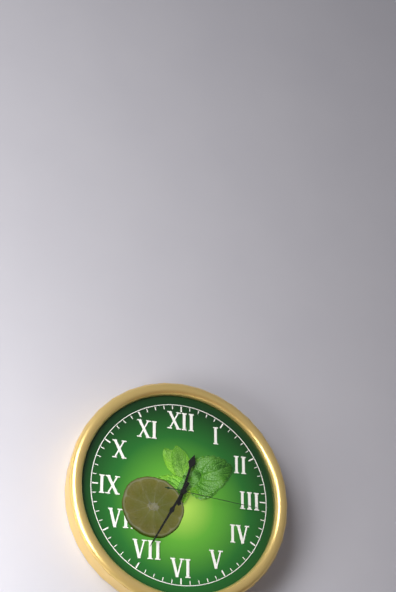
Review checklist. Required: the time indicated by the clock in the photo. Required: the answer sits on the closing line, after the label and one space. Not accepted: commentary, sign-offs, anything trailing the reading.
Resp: 12:35:16
